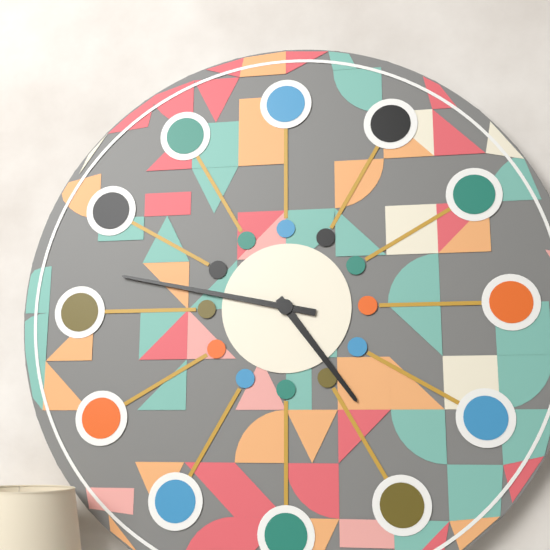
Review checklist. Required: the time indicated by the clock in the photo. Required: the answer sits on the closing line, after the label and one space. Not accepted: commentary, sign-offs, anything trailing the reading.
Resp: 4:47
